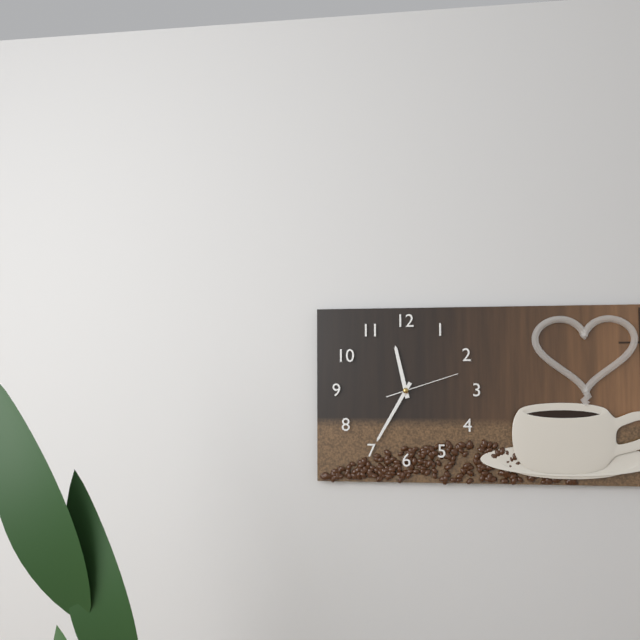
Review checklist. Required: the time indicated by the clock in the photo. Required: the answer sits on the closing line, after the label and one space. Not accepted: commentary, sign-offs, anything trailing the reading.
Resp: 11:35:12
